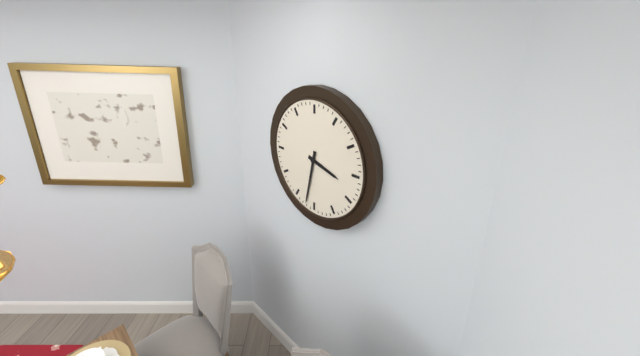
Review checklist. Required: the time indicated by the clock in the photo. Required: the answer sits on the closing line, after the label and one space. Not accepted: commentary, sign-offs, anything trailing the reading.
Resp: 3:32
